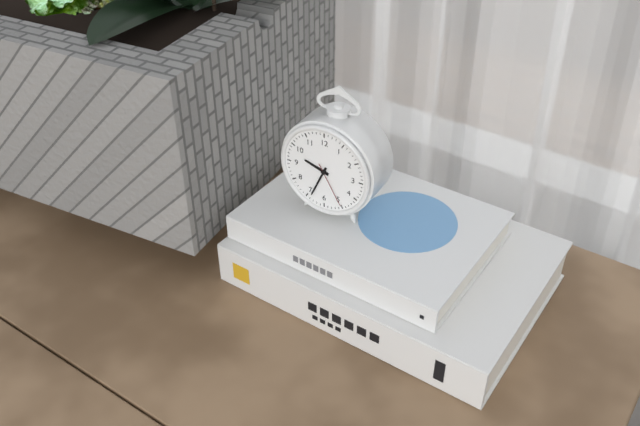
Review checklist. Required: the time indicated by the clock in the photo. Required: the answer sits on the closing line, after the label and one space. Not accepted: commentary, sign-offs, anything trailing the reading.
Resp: 9:34
